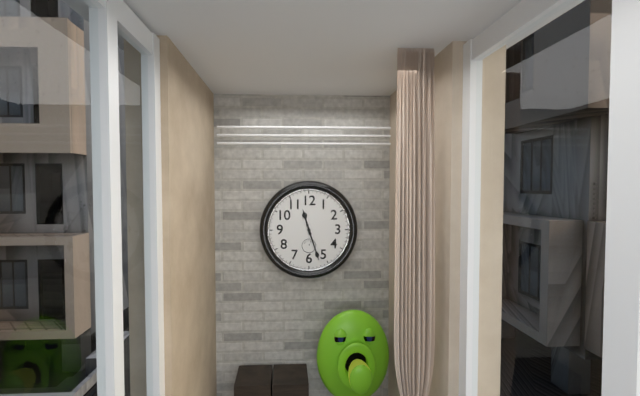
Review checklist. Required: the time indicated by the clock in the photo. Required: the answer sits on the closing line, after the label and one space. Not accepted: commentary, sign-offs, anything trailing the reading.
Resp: 11:27
